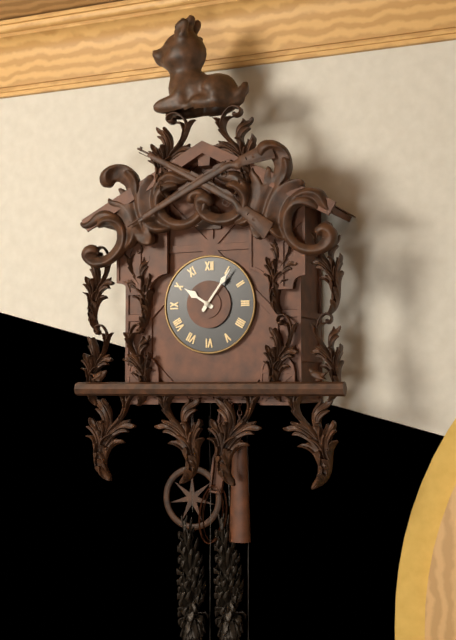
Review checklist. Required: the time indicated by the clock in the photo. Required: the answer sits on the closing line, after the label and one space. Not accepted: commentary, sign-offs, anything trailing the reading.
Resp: 10:06
